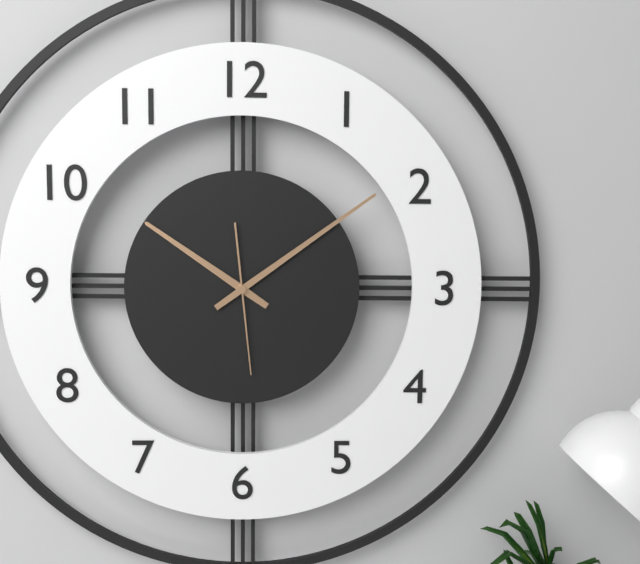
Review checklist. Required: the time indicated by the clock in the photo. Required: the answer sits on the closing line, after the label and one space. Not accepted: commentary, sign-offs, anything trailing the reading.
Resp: 10:09:29
